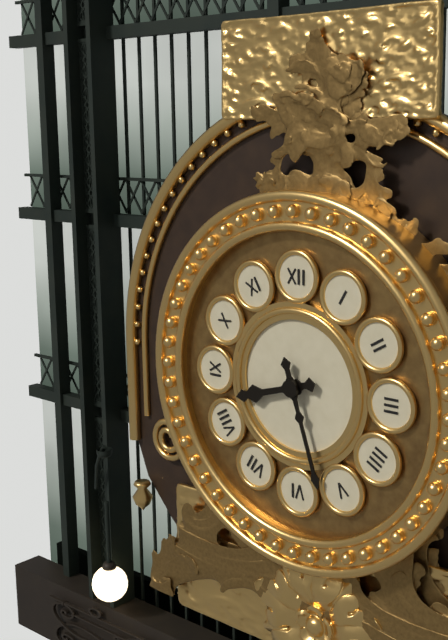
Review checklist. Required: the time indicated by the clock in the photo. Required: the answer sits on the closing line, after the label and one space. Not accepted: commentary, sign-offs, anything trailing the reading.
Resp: 8:27
